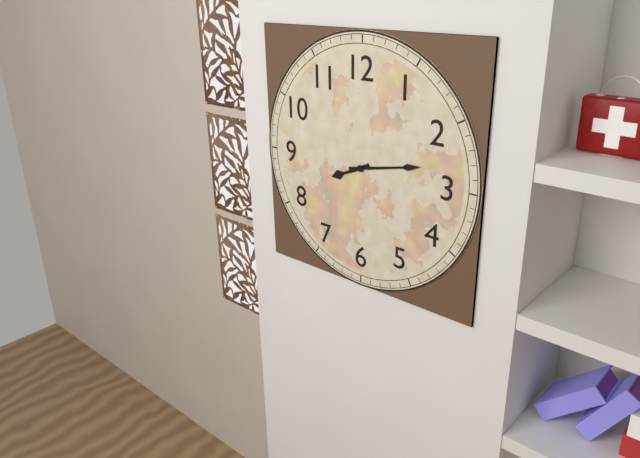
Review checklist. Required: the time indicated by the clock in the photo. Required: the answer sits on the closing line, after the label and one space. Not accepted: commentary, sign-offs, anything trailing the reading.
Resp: 8:13
